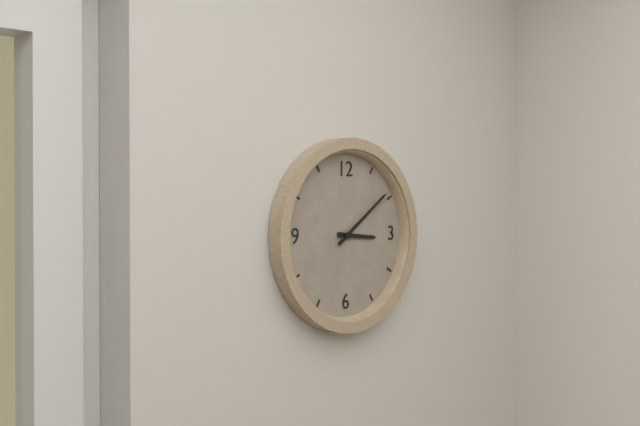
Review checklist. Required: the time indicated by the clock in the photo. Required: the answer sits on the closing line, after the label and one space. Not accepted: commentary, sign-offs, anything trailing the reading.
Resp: 3:09
